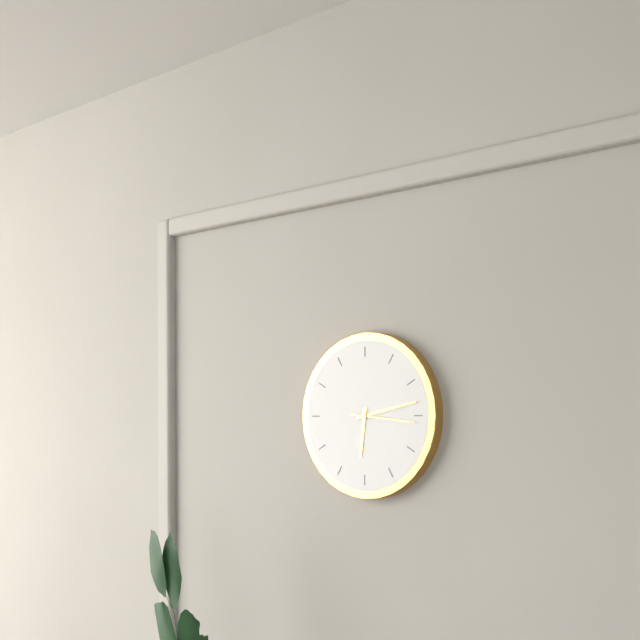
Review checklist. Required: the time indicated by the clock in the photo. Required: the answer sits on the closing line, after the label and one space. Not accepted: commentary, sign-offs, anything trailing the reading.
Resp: 6:13:16
